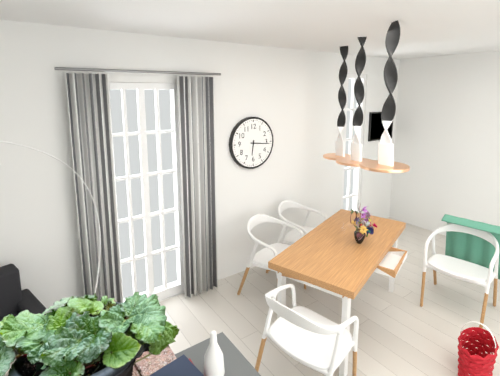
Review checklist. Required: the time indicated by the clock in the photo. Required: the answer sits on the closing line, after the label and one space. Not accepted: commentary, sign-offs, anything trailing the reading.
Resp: 6:16
